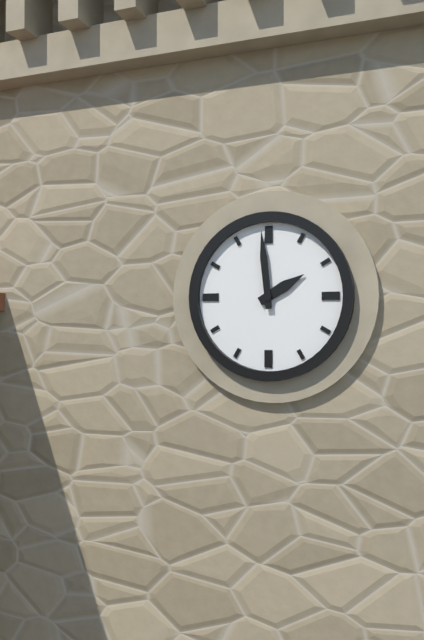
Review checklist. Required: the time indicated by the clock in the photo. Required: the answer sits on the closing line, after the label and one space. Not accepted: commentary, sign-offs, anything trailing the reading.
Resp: 1:59
